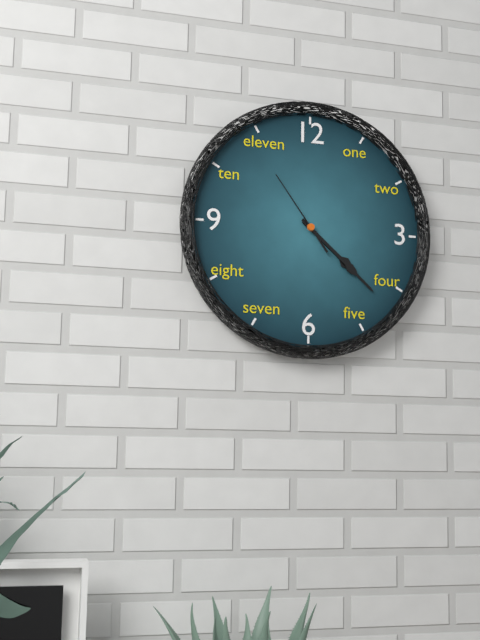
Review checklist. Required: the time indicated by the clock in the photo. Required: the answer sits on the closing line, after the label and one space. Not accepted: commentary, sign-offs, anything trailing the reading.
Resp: 4:22:54
